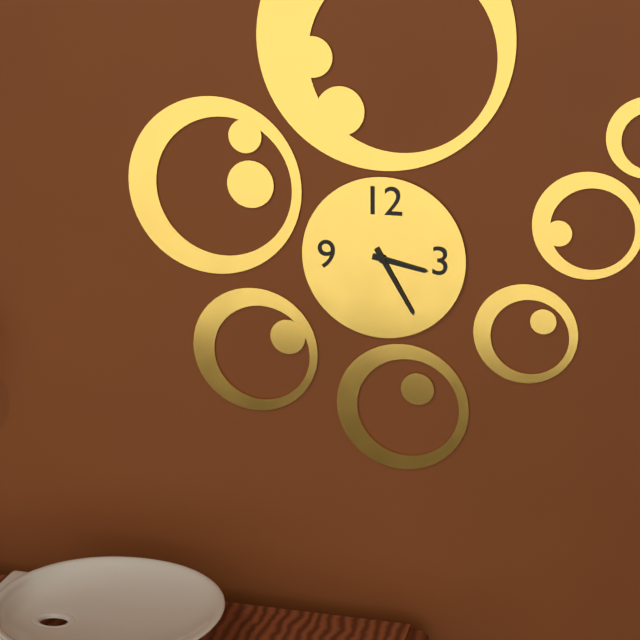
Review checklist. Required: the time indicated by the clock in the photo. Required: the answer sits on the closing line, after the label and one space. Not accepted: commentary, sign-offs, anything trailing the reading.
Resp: 3:25
